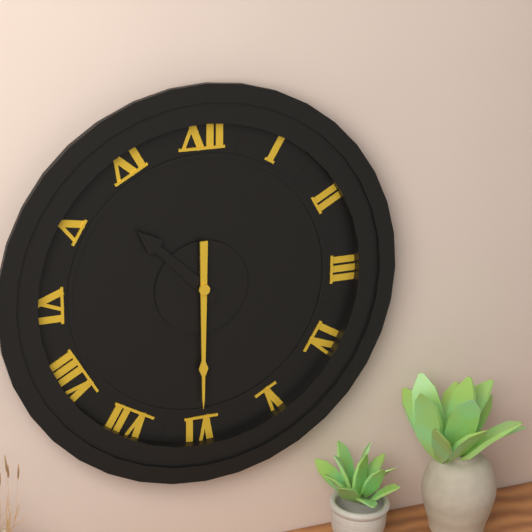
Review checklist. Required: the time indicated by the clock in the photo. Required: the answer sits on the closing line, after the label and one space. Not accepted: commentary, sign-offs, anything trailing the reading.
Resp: 10:30
